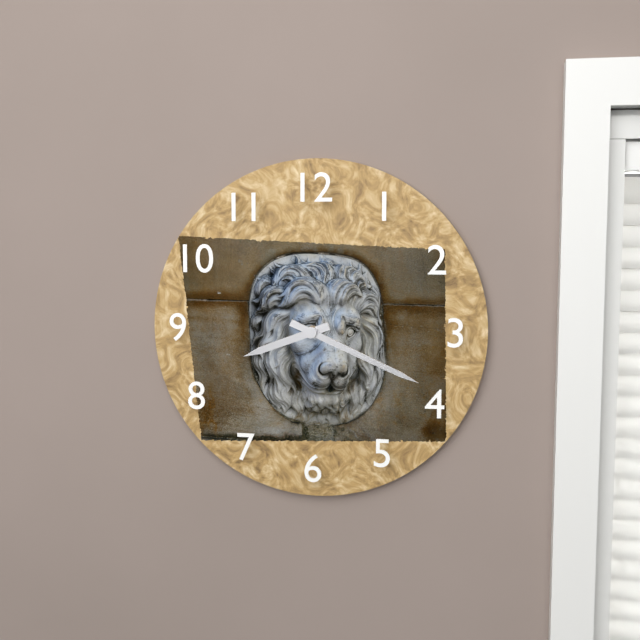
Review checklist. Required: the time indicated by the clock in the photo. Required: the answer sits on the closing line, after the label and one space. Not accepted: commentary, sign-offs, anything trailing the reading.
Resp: 8:19
